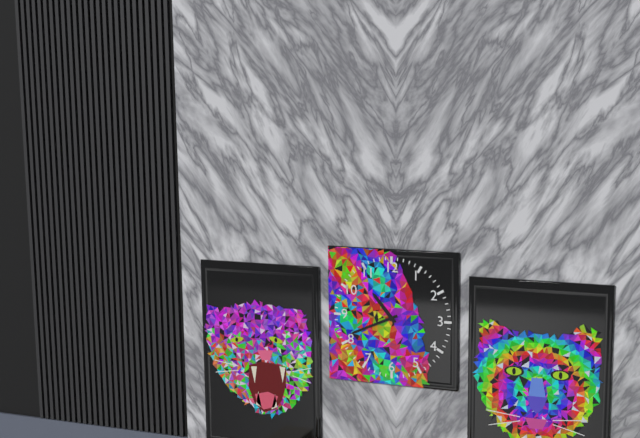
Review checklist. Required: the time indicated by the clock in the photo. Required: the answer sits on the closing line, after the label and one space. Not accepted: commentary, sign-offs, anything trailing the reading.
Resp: 10:41
